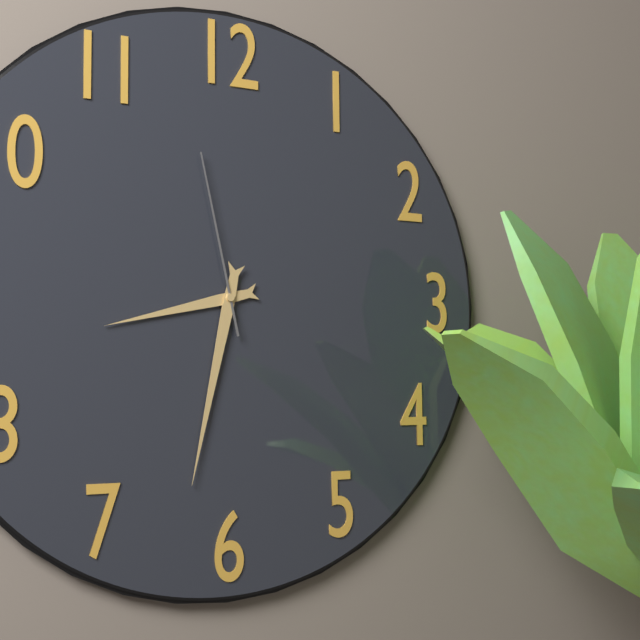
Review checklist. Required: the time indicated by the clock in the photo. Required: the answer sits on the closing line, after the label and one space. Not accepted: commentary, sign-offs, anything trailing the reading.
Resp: 8:32:58
